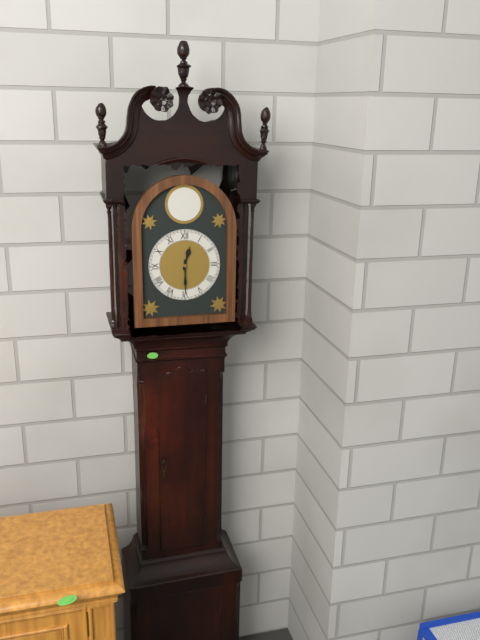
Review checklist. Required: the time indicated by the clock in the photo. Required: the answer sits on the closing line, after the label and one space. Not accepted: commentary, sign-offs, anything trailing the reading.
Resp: 12:30
